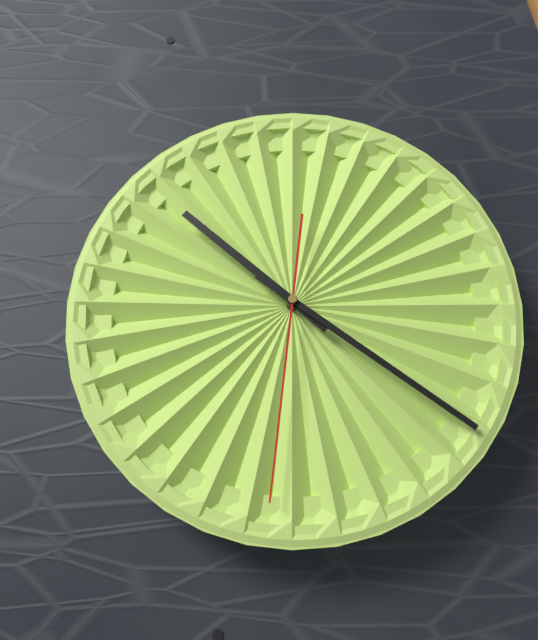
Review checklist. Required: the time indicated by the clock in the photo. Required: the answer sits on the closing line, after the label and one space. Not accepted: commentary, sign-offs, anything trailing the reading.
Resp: 10:21:31
